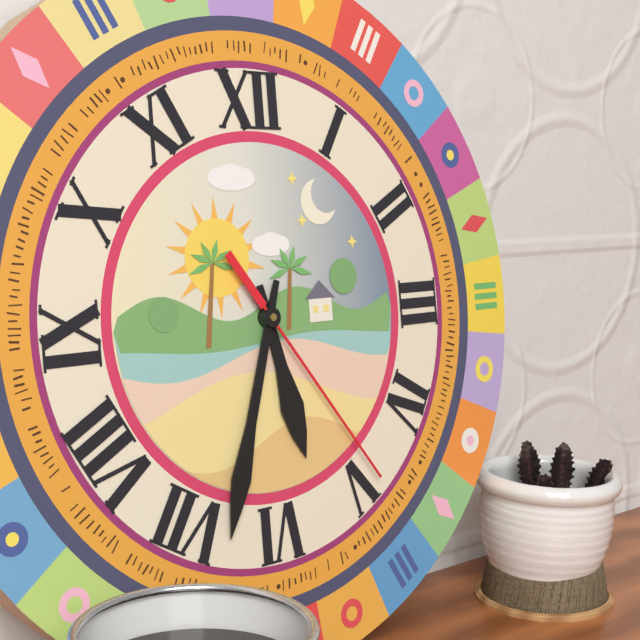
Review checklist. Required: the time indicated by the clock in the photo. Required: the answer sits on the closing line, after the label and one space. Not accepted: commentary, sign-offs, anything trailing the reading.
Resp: 5:33:24
